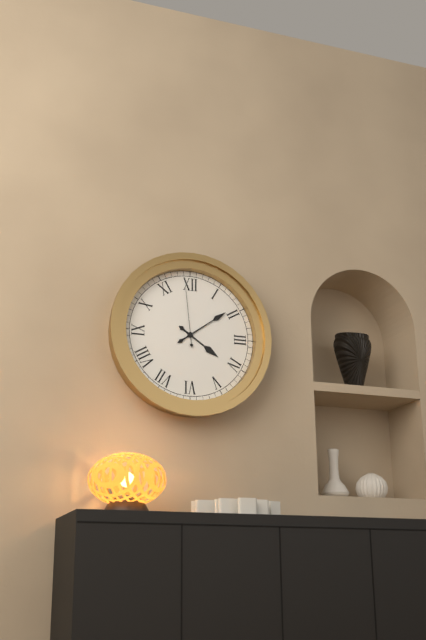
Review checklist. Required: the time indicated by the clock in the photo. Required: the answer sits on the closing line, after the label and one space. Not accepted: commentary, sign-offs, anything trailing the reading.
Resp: 4:09:59
